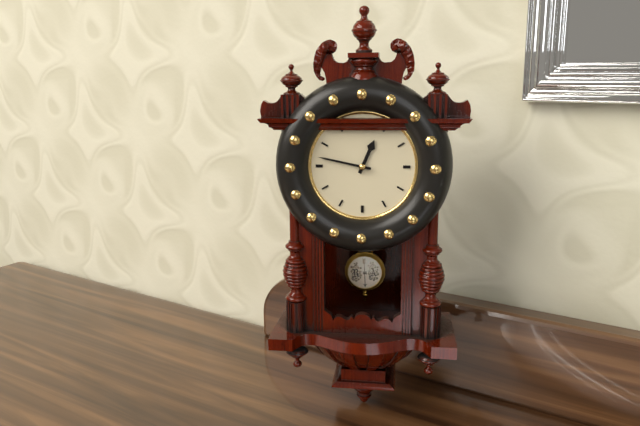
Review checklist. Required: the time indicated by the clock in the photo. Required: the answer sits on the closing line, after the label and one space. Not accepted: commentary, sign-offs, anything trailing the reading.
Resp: 12:47
